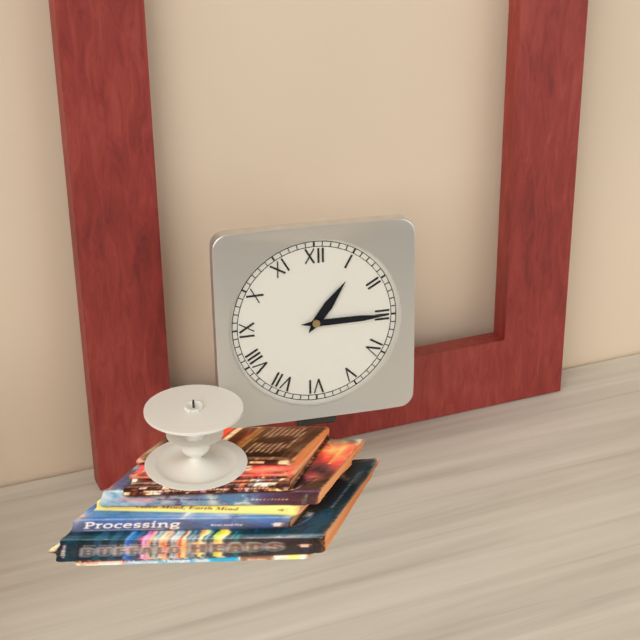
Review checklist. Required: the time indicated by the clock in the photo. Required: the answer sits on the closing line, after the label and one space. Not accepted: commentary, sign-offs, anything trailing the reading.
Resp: 1:15
